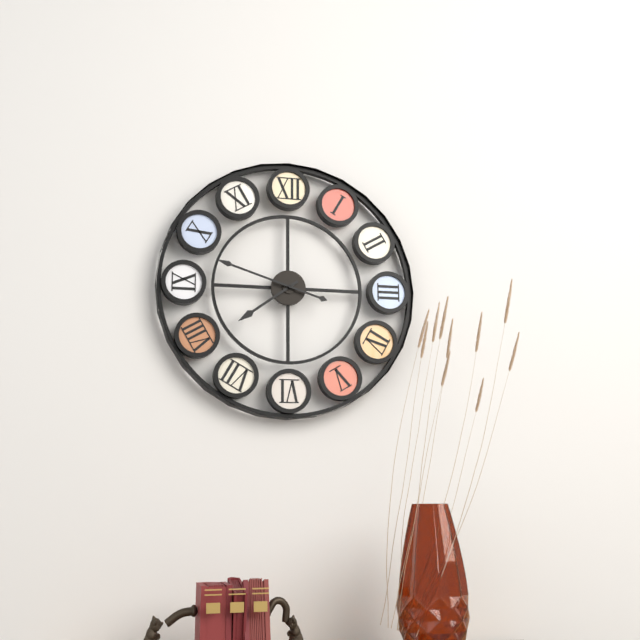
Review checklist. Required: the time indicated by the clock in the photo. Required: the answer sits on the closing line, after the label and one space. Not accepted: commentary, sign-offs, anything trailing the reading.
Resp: 7:48
